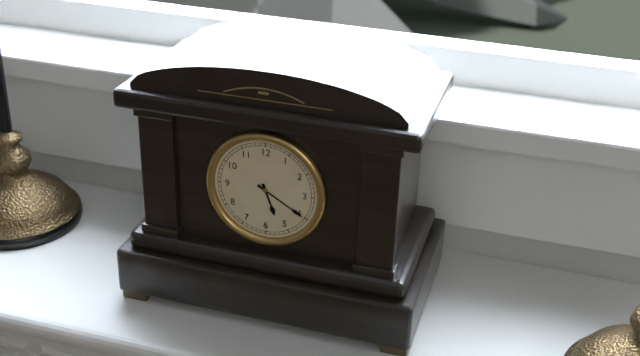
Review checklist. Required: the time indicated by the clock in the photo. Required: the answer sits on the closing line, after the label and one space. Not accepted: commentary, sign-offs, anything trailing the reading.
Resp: 5:20
